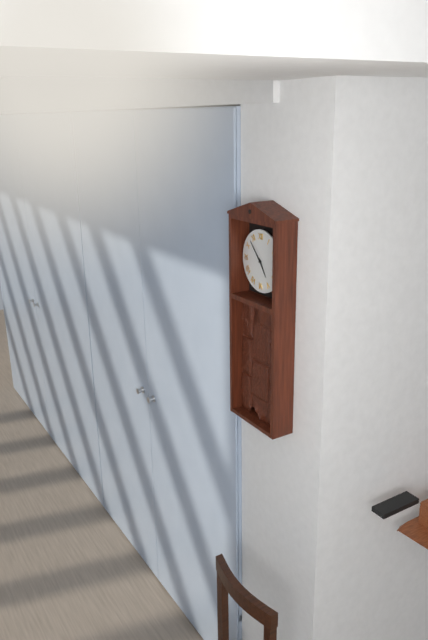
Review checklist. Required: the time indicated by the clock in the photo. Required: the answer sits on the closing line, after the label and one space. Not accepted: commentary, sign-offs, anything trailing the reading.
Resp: 4:53
